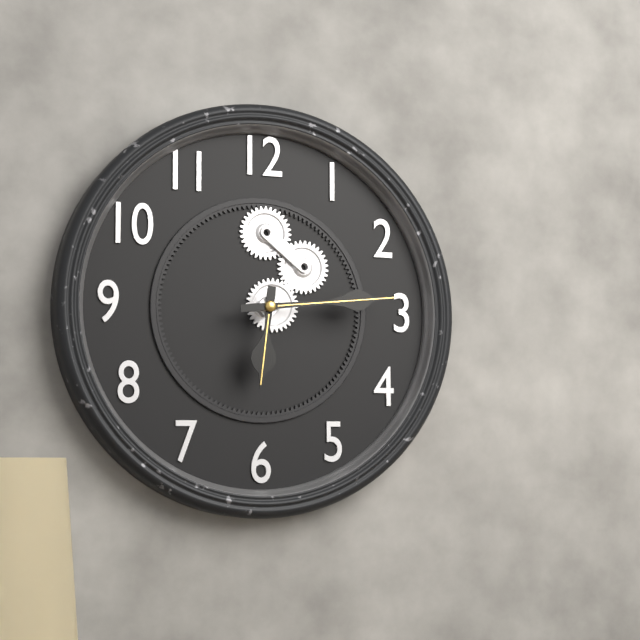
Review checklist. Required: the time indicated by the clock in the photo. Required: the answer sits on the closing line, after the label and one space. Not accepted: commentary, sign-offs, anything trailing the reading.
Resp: 6:14
